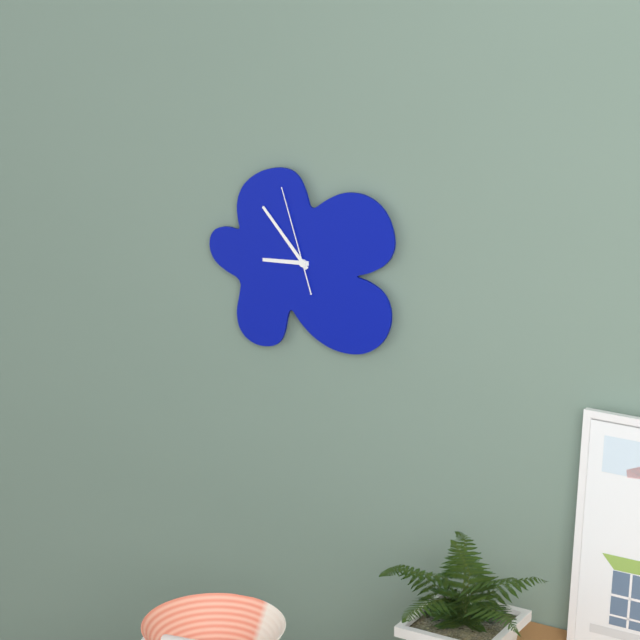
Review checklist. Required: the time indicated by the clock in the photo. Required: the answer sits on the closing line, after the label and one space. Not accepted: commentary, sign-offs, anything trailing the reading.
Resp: 8:53:57
